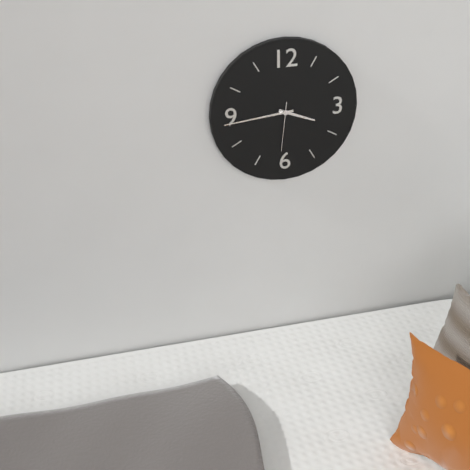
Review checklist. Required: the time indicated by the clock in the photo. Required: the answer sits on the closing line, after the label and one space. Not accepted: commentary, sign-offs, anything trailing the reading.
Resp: 3:44
